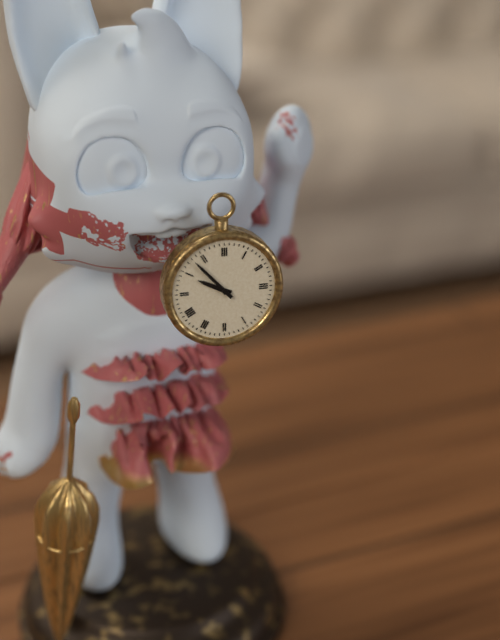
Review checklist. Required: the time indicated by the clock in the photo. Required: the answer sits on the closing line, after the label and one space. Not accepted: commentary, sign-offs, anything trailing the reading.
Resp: 9:53
